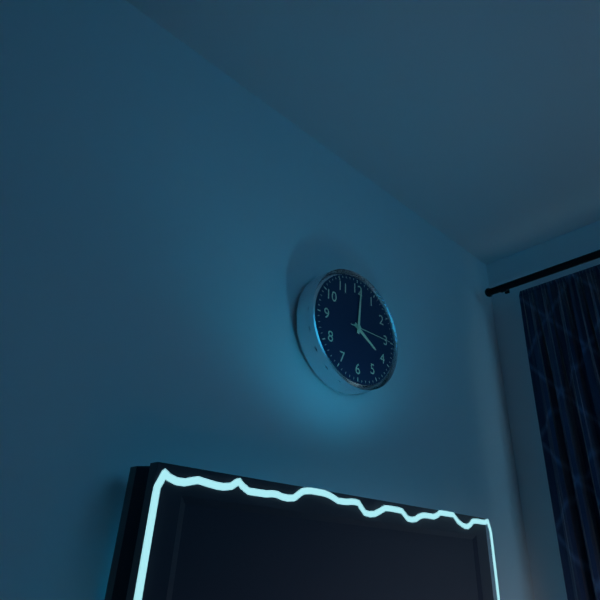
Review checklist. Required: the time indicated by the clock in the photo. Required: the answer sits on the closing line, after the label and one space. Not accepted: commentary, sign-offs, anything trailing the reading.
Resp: 4:01
